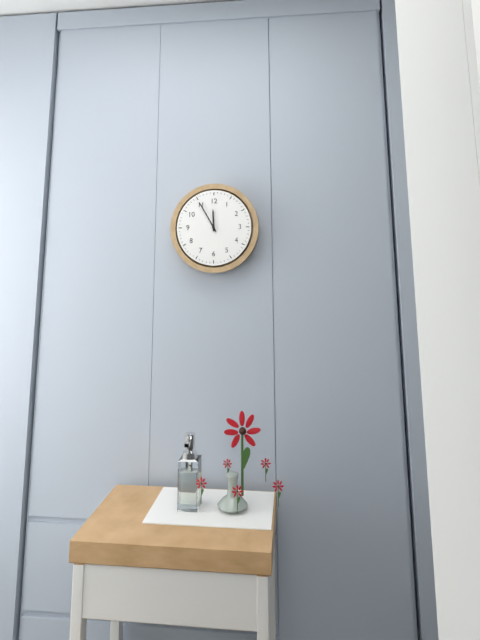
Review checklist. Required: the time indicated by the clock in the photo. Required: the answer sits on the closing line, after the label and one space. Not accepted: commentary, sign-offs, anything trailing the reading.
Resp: 11:55
